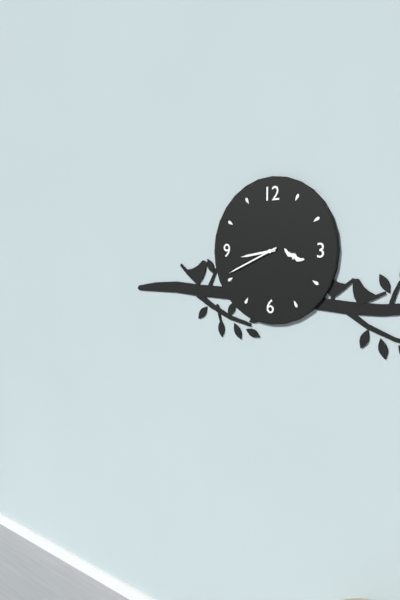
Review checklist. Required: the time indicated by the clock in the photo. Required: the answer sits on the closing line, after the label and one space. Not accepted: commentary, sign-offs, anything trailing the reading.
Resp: 8:41
